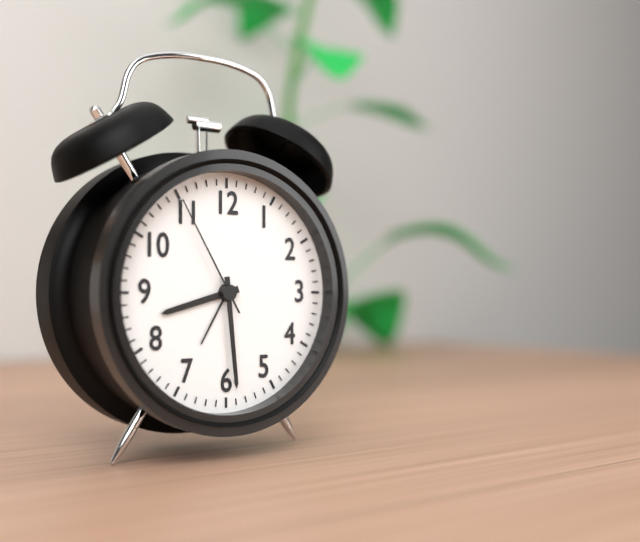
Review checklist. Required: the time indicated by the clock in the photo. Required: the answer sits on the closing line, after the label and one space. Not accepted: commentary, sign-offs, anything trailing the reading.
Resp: 8:29:55
